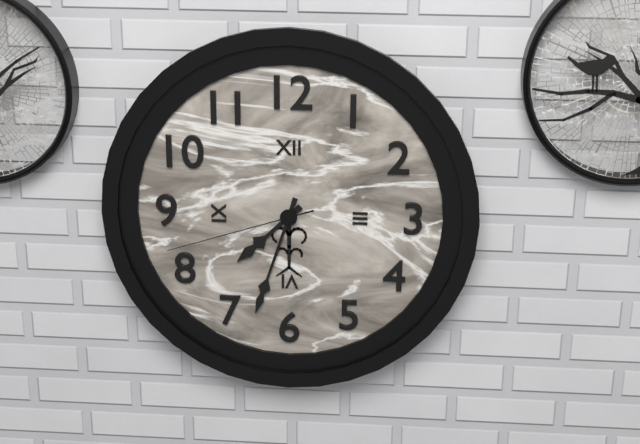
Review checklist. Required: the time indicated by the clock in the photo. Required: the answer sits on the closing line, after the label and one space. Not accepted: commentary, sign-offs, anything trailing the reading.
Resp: 7:33:42
